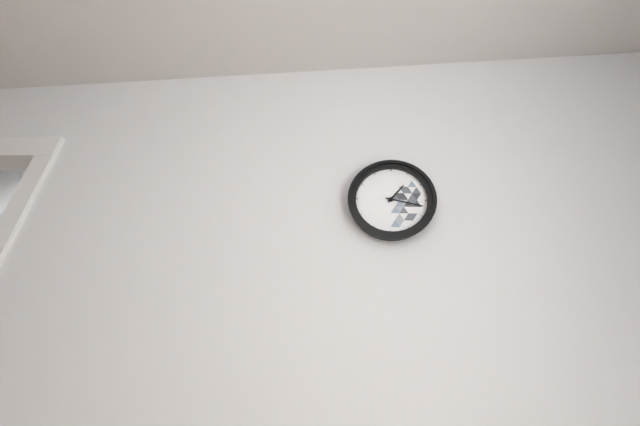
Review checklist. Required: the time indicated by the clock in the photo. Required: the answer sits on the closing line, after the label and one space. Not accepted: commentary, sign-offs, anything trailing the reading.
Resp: 1:17
